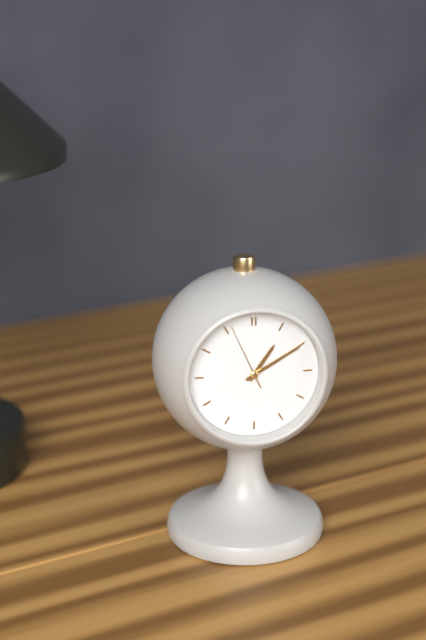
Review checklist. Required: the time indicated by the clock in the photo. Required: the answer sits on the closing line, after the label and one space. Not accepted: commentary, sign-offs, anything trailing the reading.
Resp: 1:10:56
